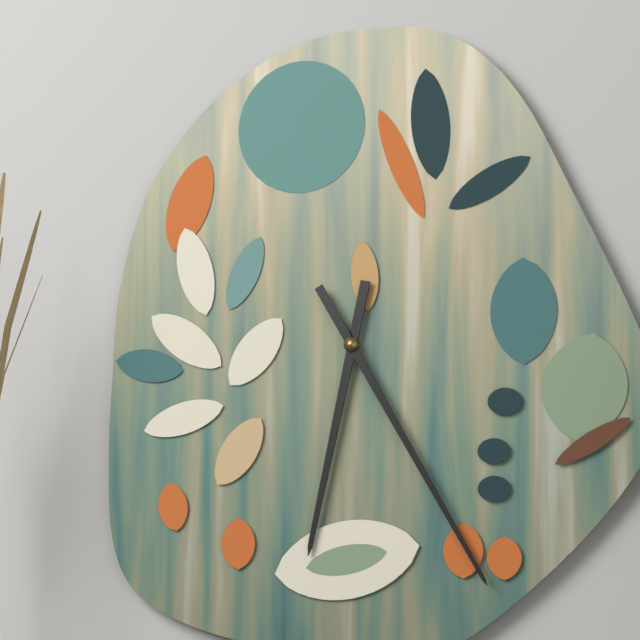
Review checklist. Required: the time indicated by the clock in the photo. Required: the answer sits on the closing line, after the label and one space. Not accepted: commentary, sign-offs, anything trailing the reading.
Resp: 6:25
